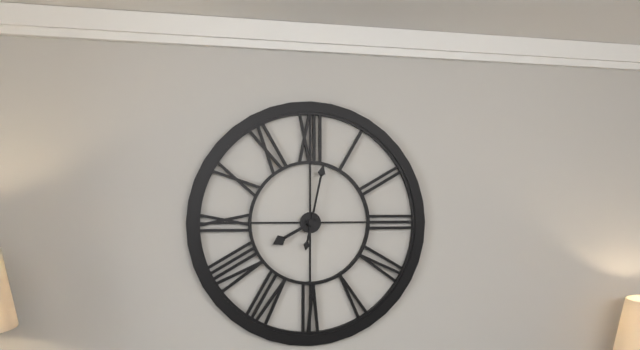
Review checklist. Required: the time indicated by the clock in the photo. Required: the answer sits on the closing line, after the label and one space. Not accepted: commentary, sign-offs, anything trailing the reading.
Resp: 8:02
